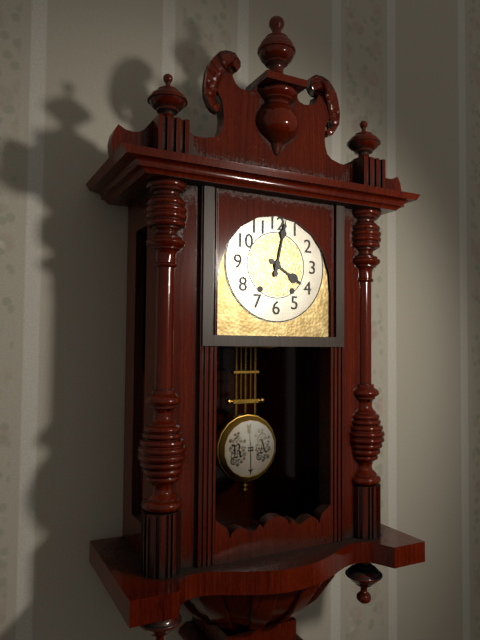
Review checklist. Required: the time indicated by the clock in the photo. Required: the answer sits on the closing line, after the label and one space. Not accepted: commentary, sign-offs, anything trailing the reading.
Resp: 4:02
